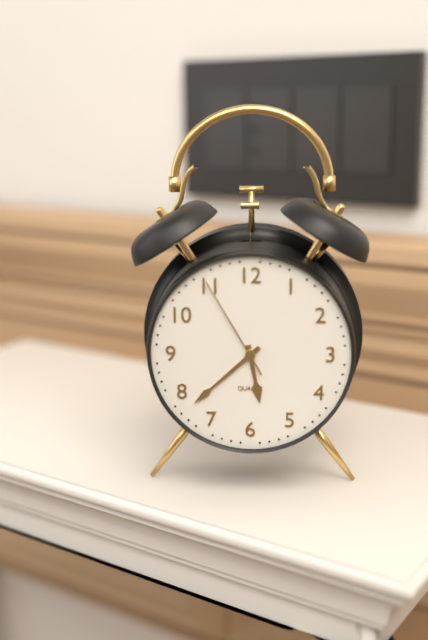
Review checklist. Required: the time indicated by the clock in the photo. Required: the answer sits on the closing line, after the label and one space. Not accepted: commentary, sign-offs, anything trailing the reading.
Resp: 5:38:55
